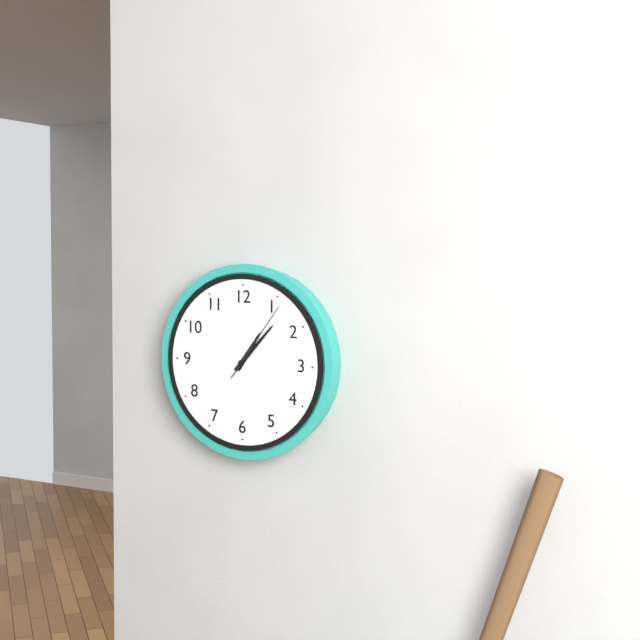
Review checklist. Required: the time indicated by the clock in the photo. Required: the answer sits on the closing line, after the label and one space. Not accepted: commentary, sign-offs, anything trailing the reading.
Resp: 1:07:06
